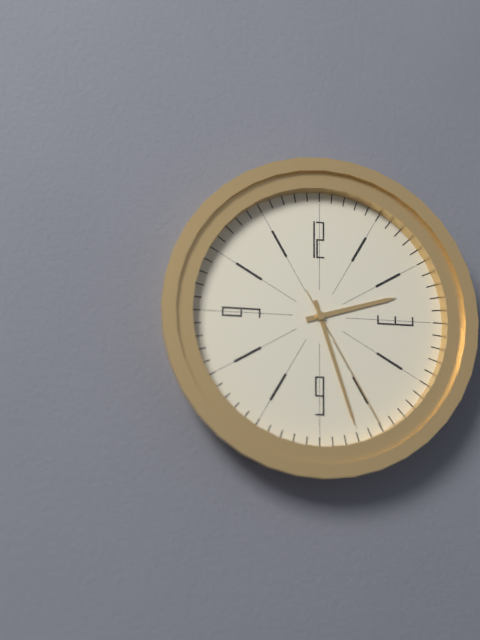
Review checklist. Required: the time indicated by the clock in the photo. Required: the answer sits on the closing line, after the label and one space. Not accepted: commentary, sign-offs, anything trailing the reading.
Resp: 2:27:25
